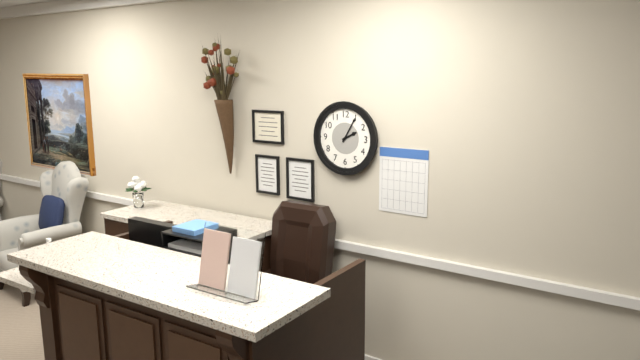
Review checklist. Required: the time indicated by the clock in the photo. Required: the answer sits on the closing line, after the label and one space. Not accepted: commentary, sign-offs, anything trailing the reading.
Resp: 2:05
